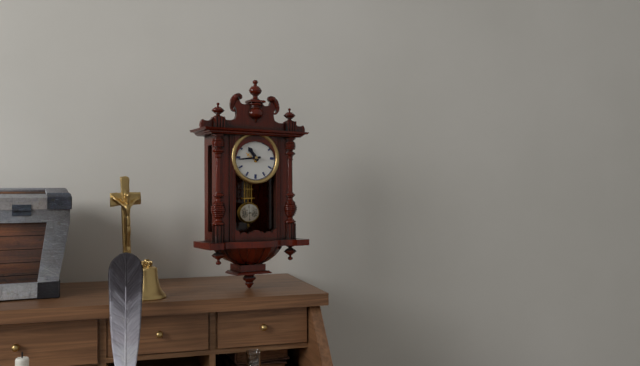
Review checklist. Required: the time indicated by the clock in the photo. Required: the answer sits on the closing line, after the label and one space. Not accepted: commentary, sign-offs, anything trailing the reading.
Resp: 10:44
